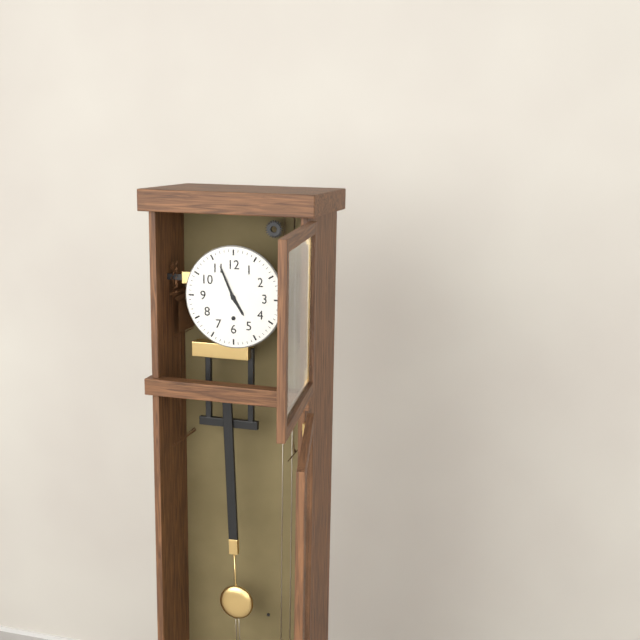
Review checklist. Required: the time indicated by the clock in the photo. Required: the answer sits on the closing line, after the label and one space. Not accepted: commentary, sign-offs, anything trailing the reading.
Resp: 4:56
